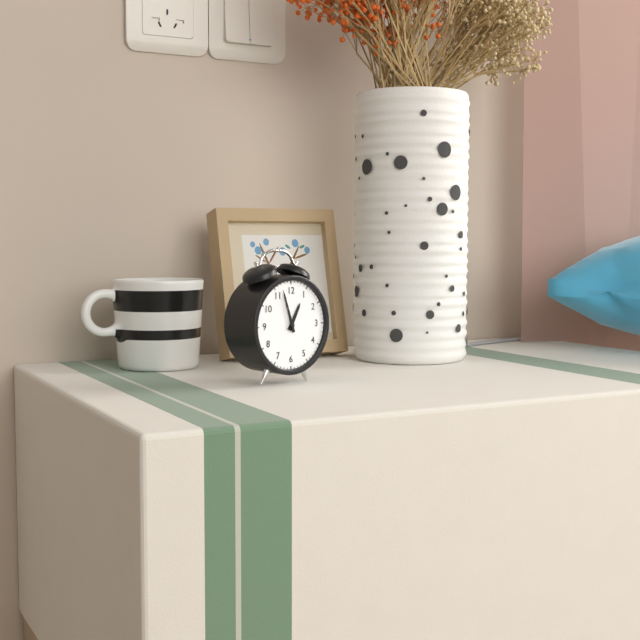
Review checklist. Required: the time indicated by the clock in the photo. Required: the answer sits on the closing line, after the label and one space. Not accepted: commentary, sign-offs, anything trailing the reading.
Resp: 12:57
